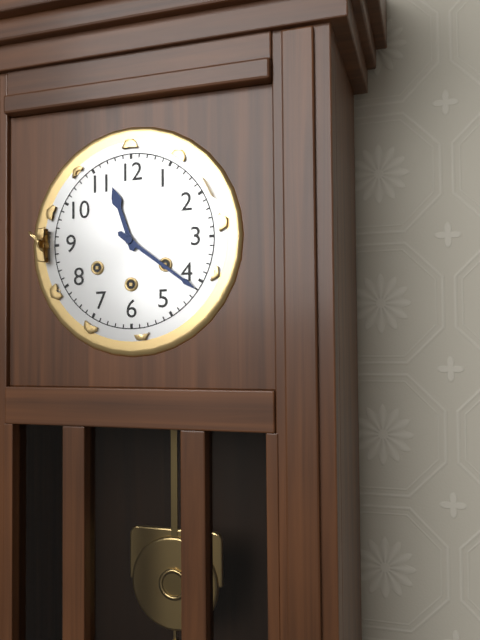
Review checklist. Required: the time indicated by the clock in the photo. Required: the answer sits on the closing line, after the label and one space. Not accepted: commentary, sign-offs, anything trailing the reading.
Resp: 11:21
